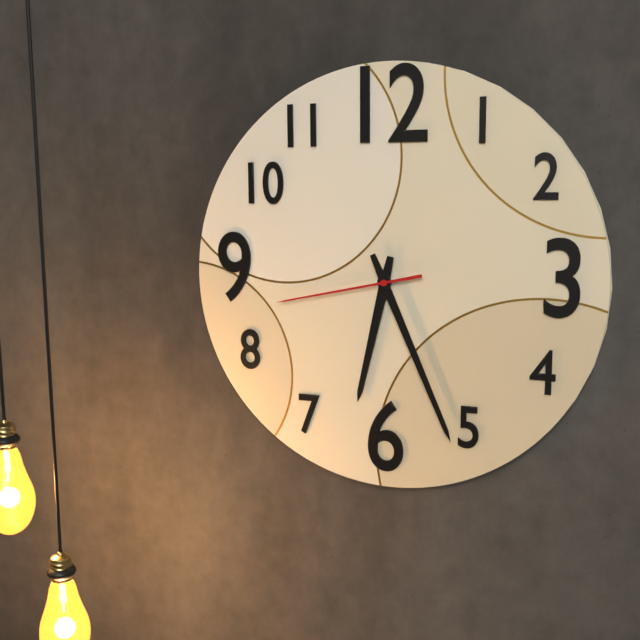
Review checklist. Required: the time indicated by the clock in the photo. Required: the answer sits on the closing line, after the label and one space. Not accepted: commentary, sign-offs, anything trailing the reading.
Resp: 6:26:43
